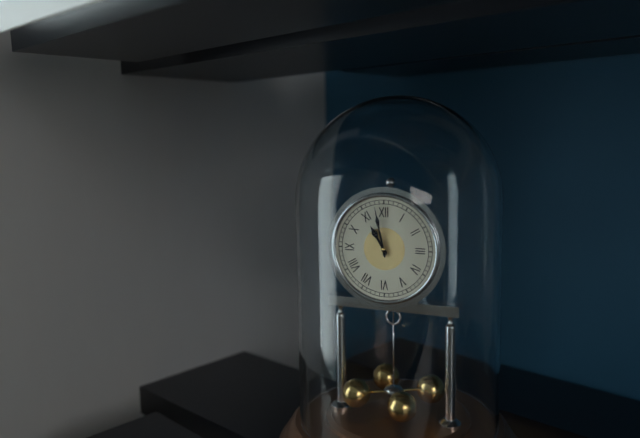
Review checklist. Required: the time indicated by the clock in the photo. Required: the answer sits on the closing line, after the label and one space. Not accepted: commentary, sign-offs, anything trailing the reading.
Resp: 10:58
